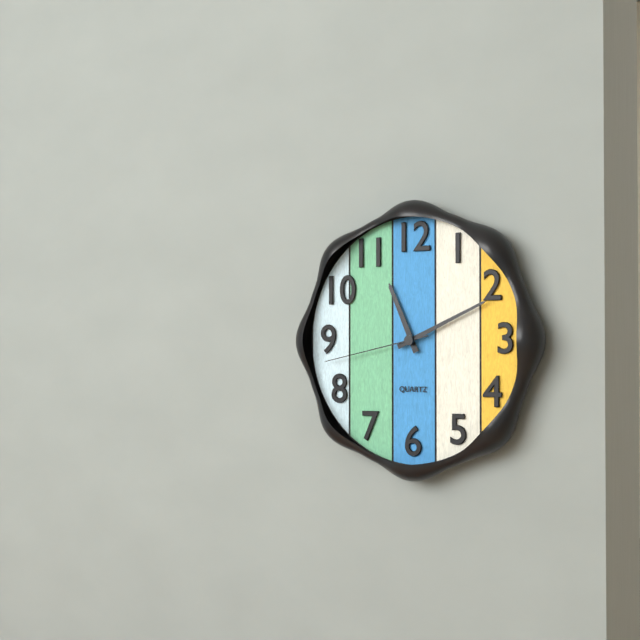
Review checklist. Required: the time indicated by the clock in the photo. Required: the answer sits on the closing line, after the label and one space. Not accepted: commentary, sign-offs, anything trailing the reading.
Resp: 11:11:43
